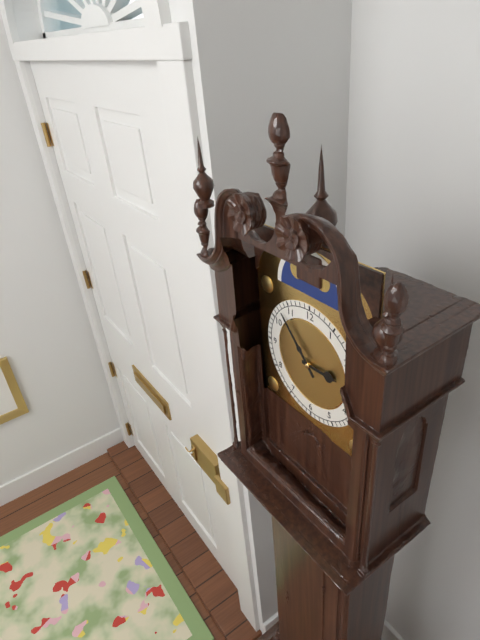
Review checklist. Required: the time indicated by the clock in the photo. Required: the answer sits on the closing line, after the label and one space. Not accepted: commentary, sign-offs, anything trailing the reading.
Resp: 2:53
